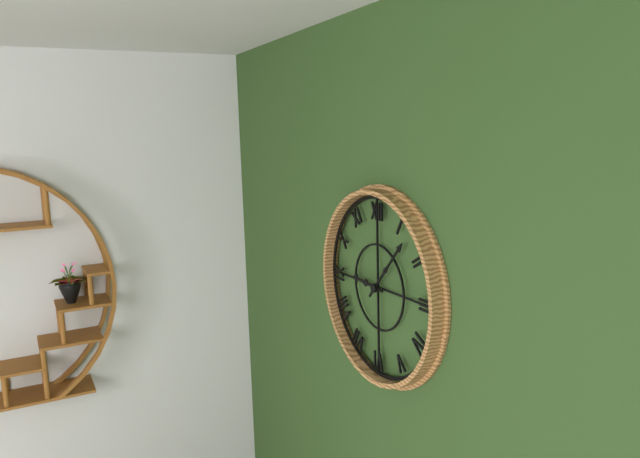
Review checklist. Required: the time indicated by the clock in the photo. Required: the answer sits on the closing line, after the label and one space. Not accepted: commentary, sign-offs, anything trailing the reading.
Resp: 9:07
